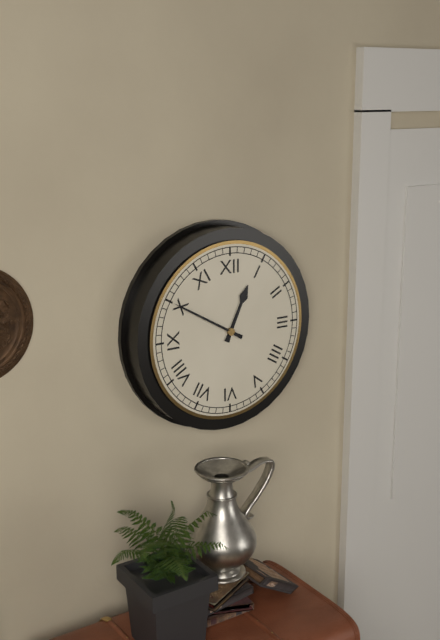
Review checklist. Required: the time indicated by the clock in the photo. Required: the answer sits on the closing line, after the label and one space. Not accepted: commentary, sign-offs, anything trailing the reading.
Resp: 12:50
